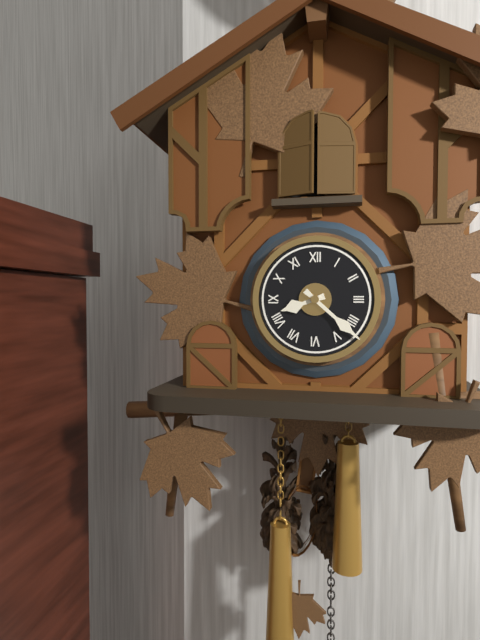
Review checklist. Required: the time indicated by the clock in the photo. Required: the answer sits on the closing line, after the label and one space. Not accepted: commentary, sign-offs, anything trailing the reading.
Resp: 8:22
